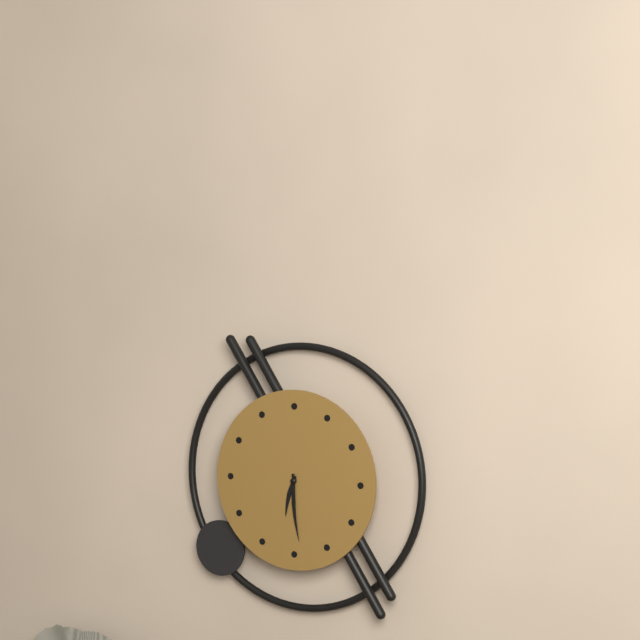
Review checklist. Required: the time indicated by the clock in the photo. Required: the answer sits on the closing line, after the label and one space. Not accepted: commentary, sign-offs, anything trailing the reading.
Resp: 6:29
